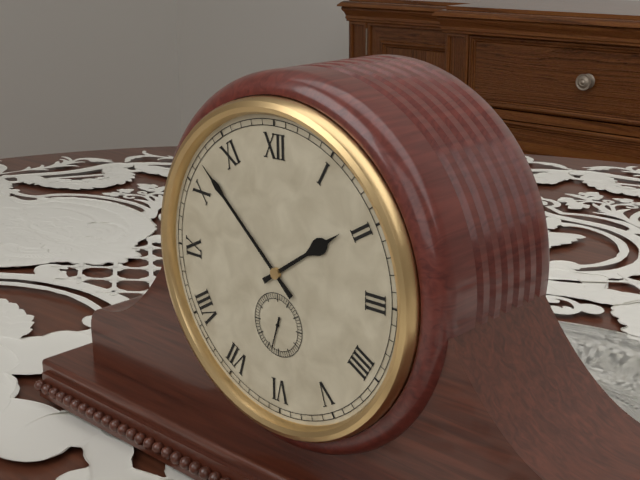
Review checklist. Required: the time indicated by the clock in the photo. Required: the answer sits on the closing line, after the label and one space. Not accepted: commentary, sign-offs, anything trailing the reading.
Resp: 1:52:33
